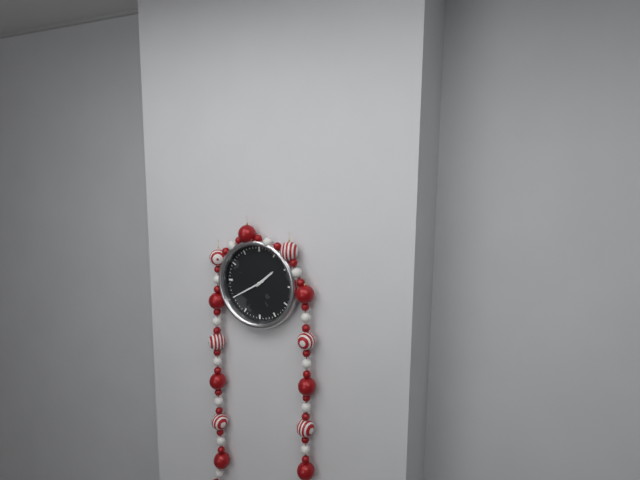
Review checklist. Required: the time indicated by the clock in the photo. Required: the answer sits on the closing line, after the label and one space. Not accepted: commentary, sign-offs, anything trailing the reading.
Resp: 1:40
